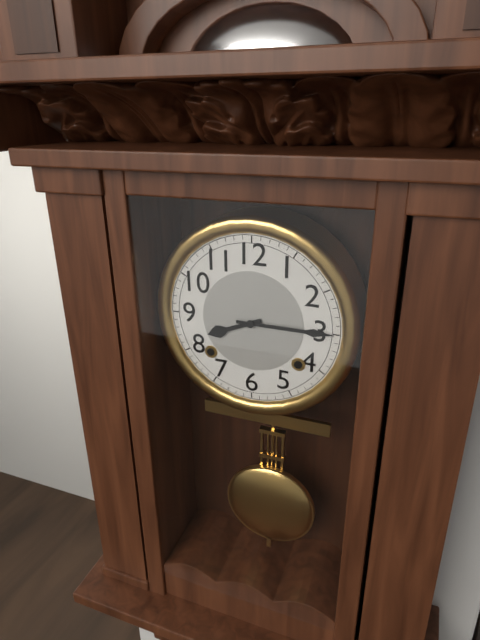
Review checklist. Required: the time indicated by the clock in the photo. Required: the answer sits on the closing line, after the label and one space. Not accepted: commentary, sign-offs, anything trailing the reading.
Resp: 8:15
